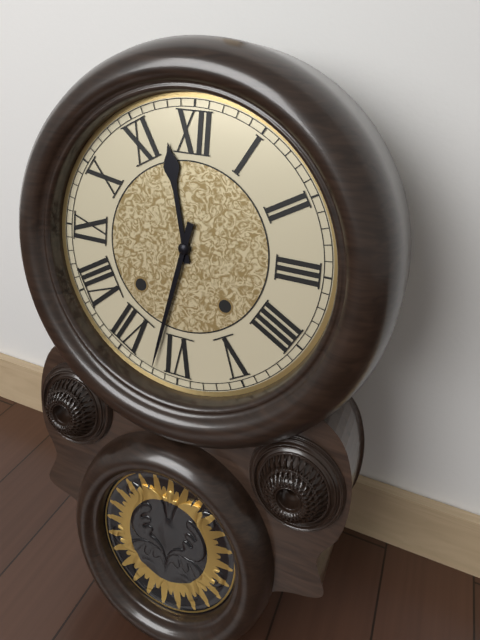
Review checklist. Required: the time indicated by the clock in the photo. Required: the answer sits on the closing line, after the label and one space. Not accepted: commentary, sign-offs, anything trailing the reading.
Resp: 11:32
